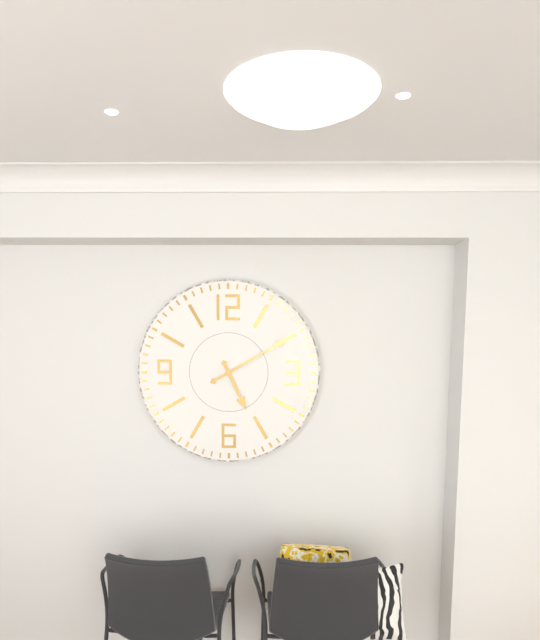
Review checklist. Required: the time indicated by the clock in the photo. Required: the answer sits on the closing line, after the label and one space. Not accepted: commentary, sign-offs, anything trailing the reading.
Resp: 5:10
